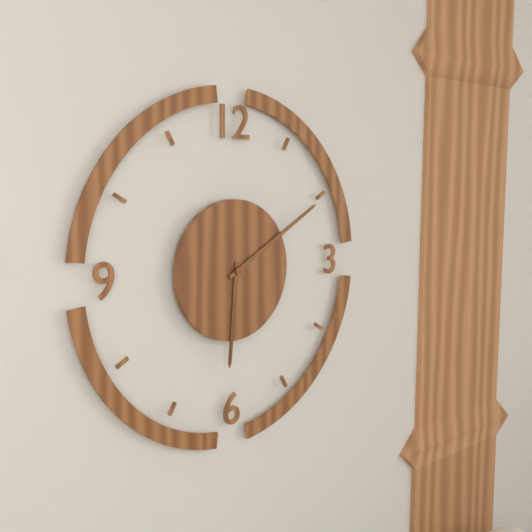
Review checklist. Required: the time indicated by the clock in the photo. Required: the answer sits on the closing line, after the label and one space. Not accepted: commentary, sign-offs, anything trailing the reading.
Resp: 6:10
